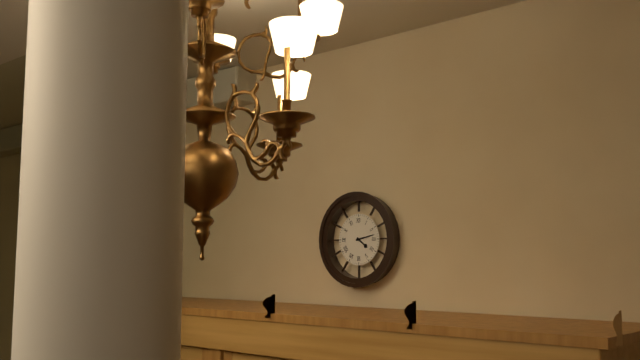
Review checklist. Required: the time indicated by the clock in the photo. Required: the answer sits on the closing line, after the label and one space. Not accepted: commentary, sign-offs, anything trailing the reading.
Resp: 4:13
